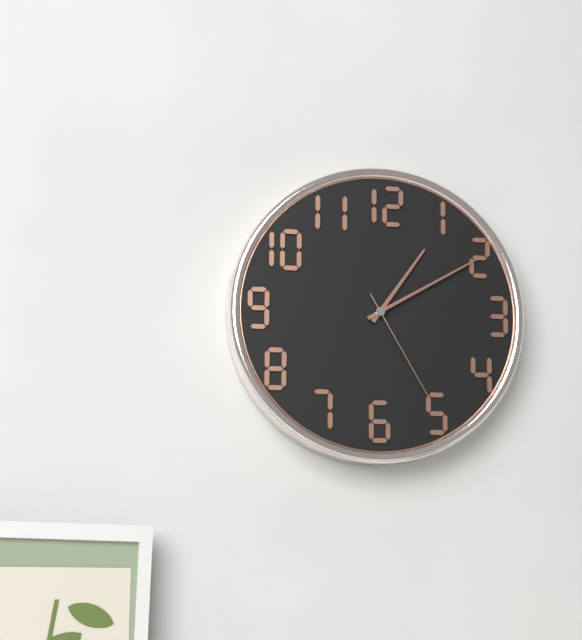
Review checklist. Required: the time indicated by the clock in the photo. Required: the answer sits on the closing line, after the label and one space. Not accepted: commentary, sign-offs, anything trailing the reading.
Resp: 1:10:25
